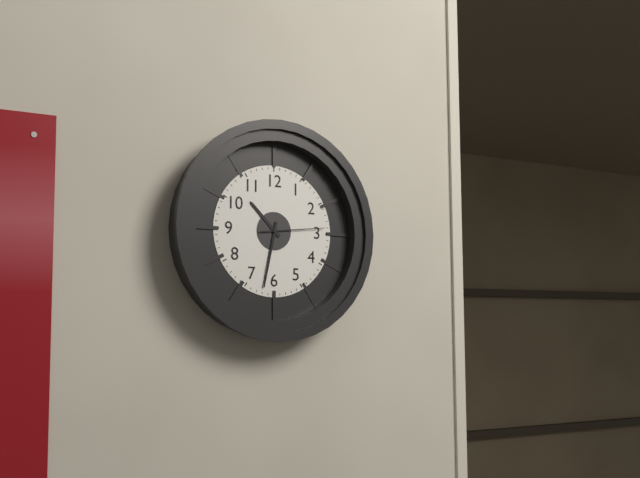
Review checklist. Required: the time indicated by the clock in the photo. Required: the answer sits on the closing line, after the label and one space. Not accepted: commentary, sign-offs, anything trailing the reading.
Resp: 10:32:14
